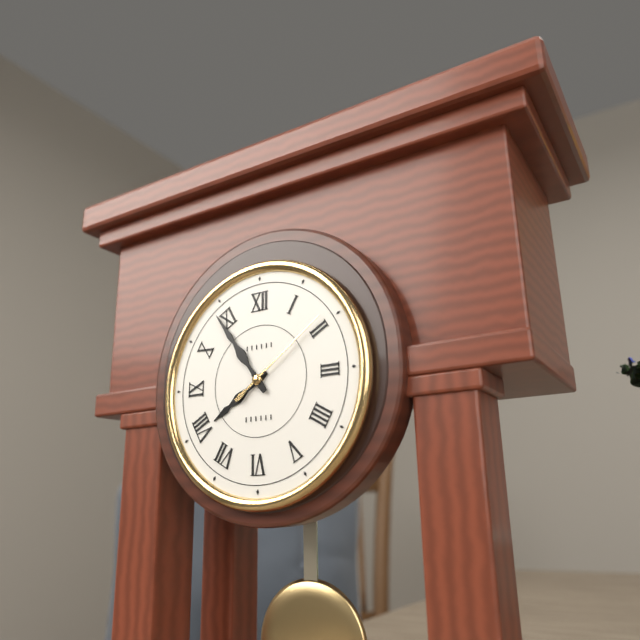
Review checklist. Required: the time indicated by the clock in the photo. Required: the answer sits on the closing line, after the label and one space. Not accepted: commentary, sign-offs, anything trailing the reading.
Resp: 7:54:09
